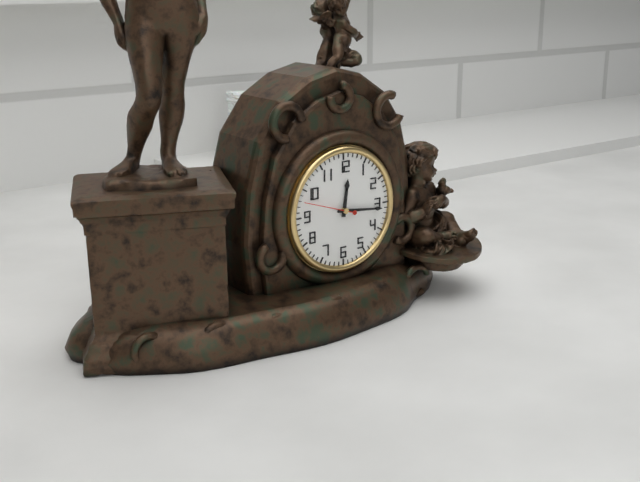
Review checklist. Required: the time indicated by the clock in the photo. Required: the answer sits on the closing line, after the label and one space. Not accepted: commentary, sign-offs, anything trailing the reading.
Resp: 12:16
